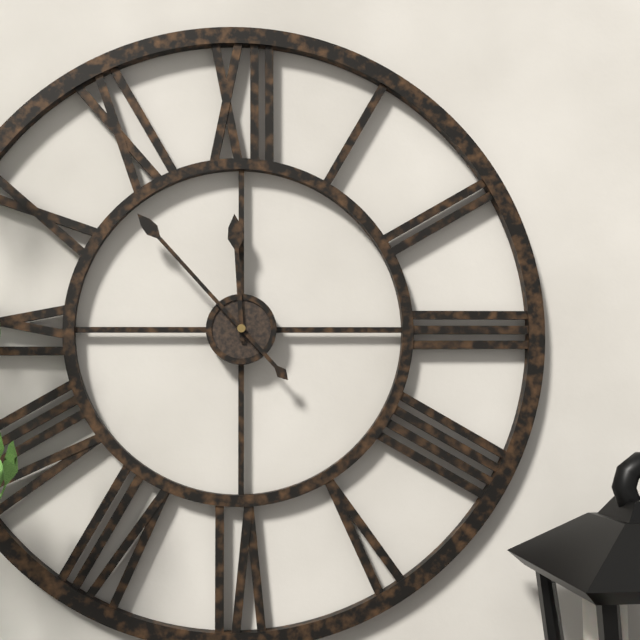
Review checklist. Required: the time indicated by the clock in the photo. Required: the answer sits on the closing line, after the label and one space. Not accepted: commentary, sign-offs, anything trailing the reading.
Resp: 11:53
